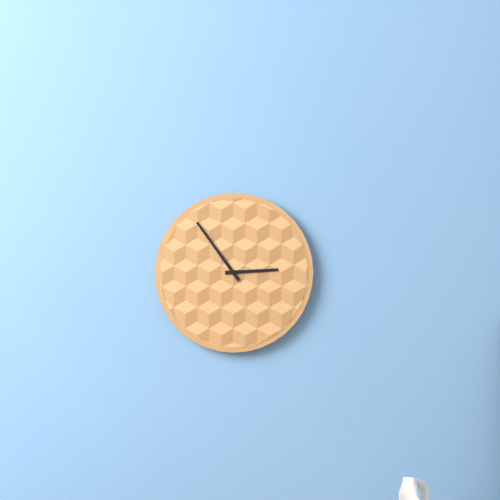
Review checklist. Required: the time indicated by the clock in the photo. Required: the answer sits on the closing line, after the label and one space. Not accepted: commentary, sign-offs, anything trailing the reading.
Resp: 2:54
